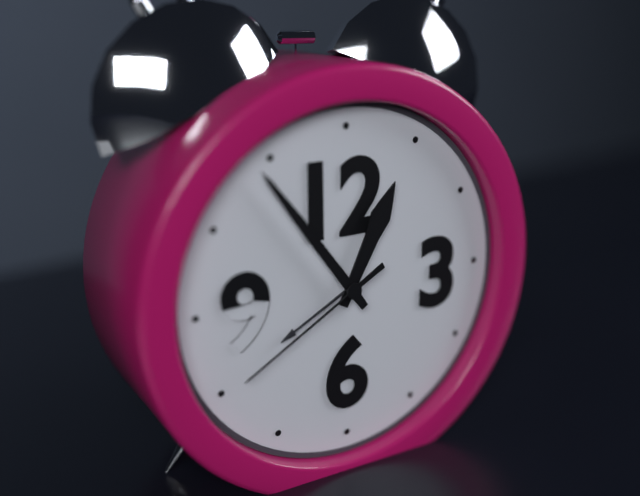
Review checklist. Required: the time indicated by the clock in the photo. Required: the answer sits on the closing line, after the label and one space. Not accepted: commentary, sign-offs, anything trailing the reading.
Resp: 12:54:40
